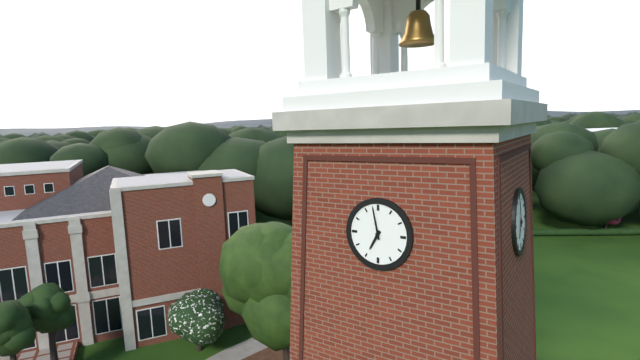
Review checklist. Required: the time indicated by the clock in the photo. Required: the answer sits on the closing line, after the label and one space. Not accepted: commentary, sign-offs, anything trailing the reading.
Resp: 6:58
